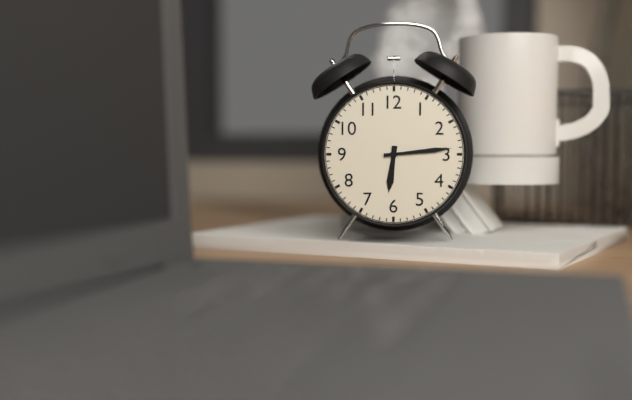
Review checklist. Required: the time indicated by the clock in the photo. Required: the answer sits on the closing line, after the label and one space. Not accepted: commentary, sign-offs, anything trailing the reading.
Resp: 6:14
